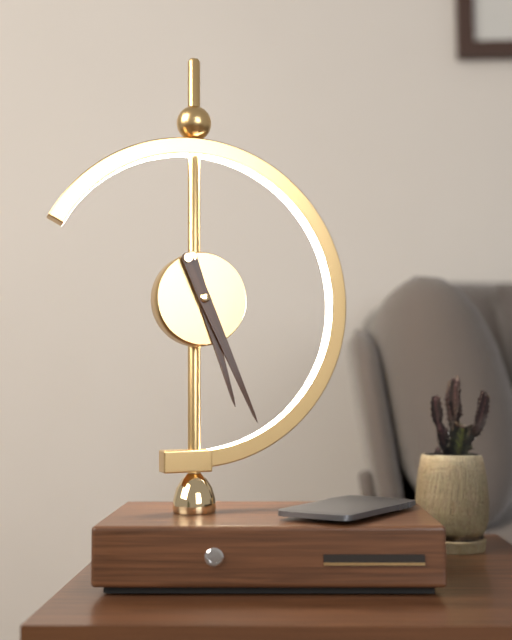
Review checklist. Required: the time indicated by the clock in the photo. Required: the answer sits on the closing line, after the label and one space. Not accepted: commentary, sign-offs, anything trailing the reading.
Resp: 5:26
